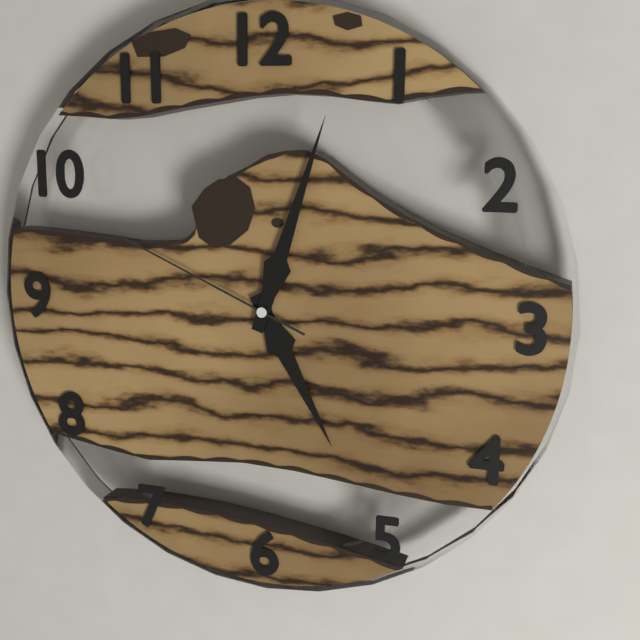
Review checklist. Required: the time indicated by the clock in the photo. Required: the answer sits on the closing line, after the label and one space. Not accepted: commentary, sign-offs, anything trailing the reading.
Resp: 5:03:49
